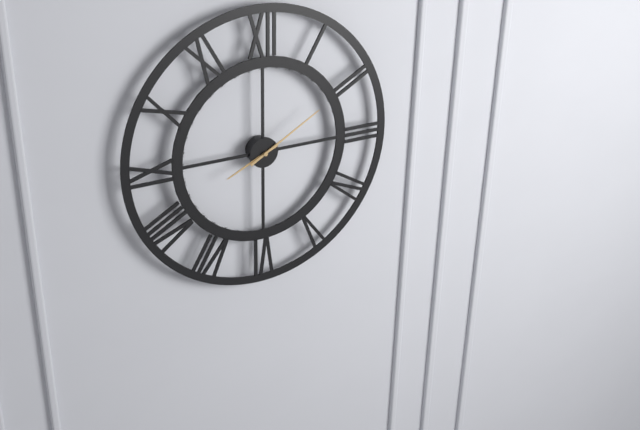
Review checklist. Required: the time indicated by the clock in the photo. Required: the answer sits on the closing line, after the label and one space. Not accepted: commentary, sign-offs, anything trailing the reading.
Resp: 8:10
